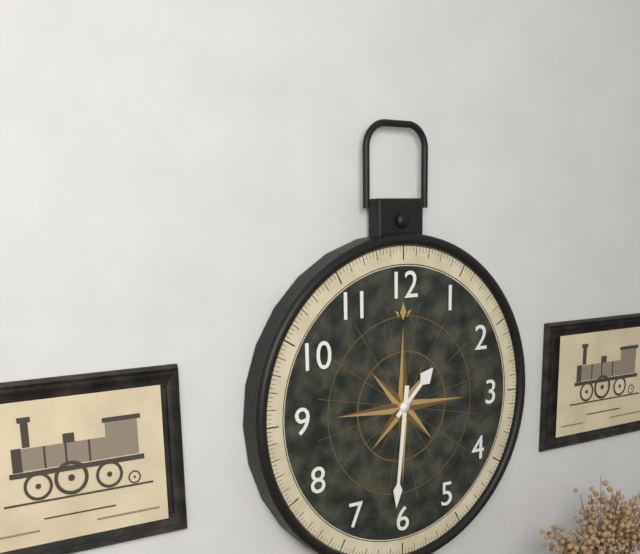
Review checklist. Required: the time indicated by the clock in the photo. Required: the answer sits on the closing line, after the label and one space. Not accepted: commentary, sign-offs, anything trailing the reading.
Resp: 1:31
